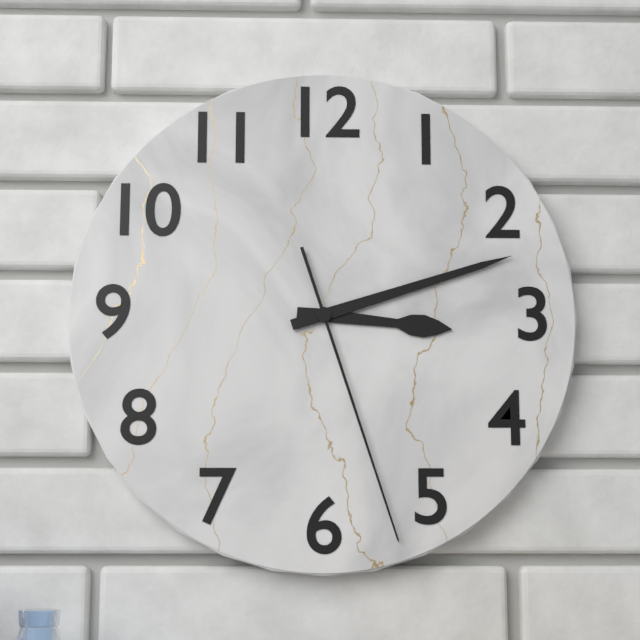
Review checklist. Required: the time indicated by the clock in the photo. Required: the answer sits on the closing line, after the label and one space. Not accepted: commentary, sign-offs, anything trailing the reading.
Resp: 3:12:27
